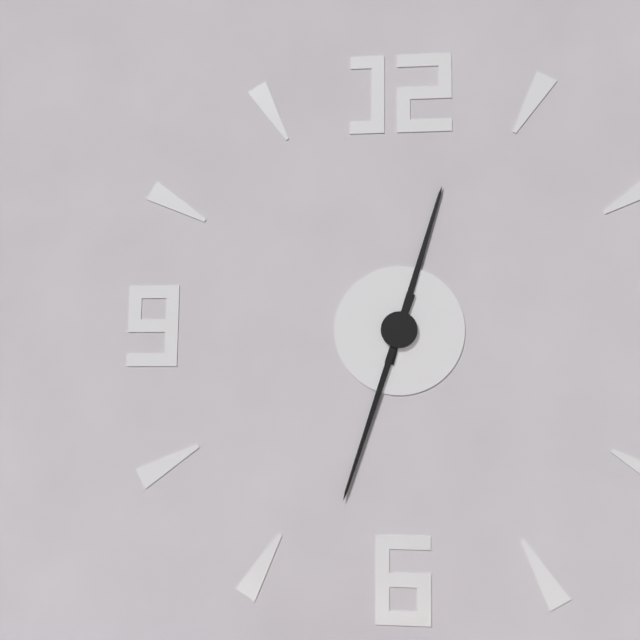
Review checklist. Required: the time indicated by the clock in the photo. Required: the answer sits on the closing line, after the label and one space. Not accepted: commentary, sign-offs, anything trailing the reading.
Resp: 12:33
